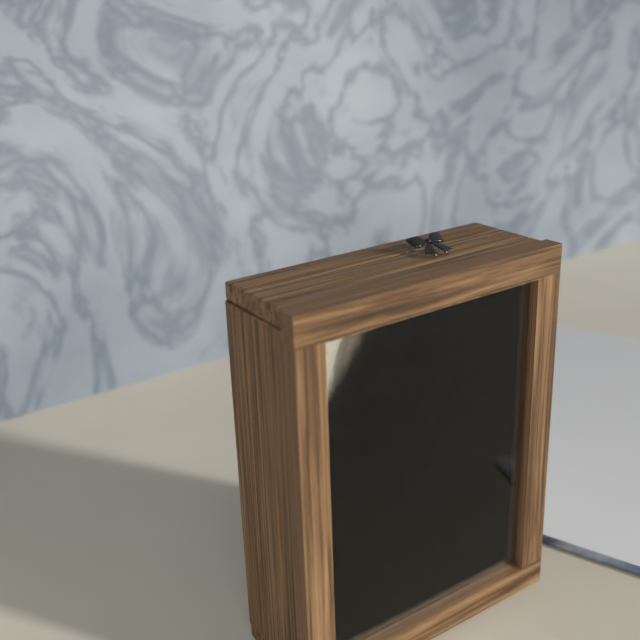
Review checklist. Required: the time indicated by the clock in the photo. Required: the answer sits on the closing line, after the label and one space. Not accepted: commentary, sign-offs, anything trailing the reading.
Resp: 12:39
